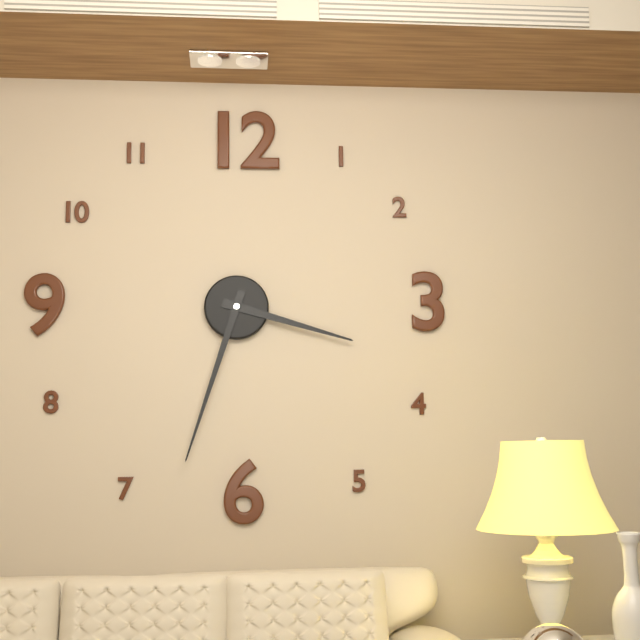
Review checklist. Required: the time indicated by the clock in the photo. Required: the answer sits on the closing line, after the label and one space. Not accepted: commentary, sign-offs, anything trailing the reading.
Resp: 3:33
